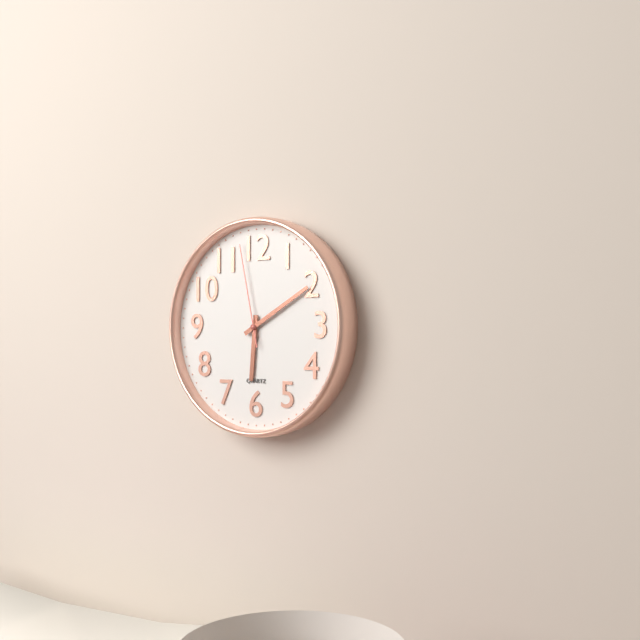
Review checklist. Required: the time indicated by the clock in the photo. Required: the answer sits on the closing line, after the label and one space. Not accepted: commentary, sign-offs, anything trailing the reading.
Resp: 6:10:58
